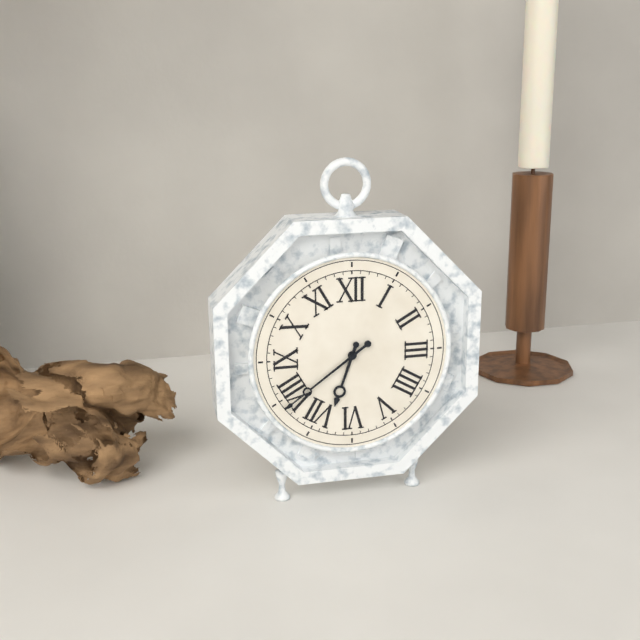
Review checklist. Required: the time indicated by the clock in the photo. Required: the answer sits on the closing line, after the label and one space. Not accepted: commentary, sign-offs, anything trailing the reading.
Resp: 6:39
